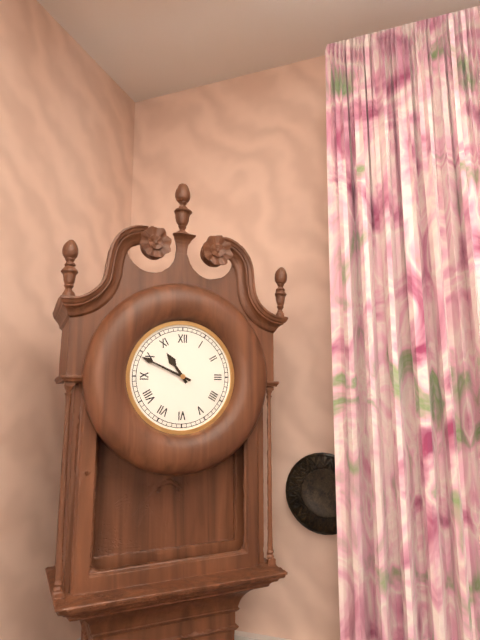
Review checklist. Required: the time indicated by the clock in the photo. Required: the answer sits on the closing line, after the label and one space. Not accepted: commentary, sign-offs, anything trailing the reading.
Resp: 10:49
